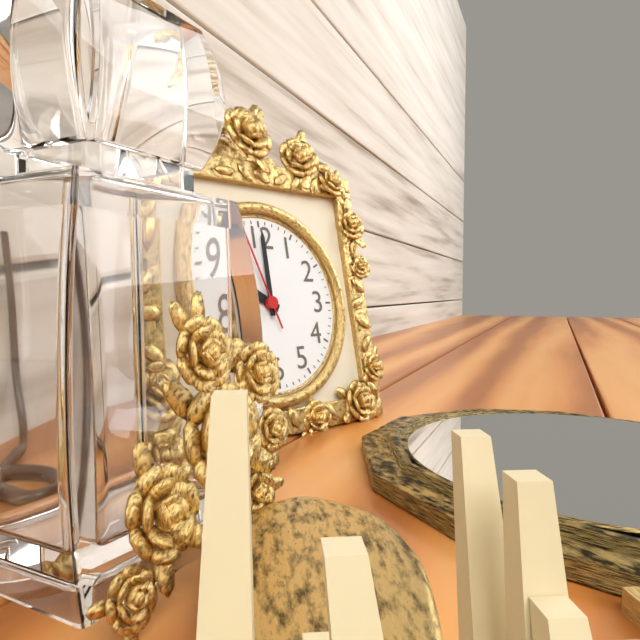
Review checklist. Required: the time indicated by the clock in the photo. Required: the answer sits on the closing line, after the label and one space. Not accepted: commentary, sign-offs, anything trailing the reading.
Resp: 10:00:57
